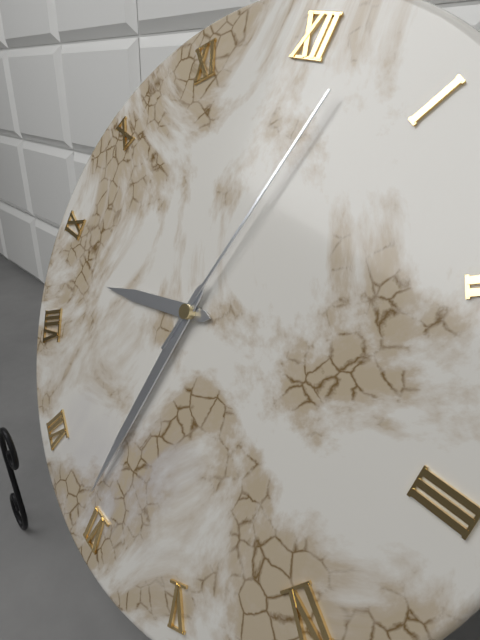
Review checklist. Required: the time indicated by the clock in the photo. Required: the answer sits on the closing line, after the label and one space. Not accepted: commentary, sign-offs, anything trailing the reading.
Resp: 8:31:02
